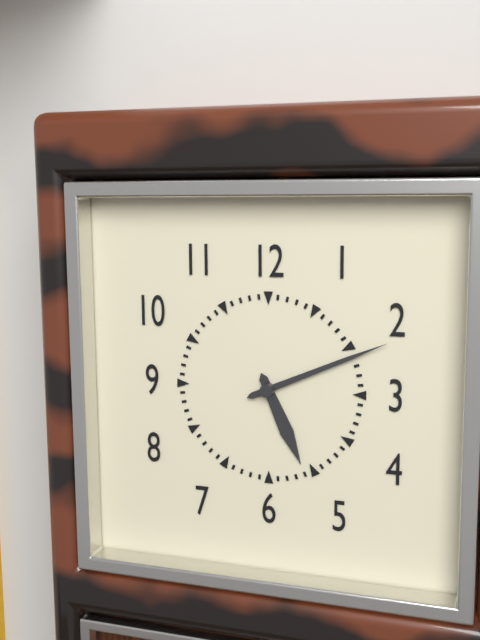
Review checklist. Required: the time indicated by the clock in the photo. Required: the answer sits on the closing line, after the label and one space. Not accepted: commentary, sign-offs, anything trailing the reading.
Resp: 5:11
